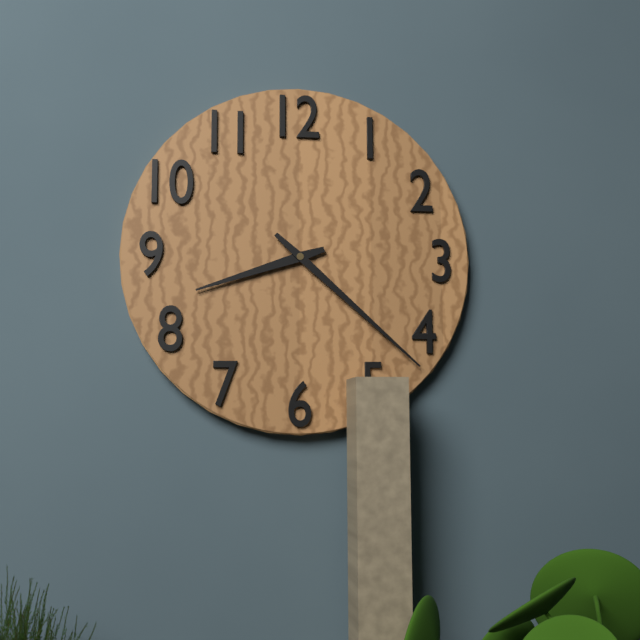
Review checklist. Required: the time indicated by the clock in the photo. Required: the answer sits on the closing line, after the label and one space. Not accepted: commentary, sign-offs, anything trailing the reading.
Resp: 8:22
